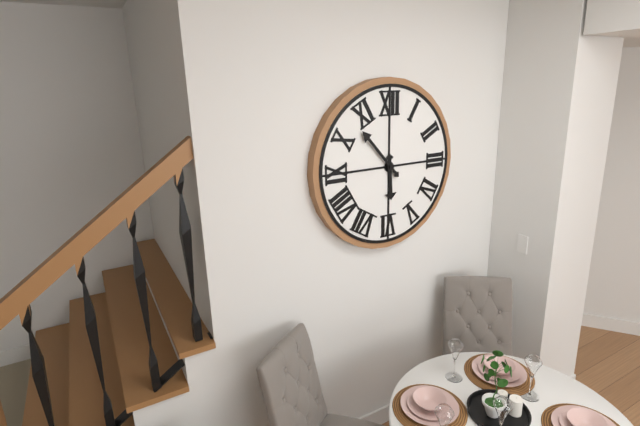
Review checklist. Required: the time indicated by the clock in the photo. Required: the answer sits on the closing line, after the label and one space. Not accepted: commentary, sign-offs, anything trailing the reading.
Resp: 5:53
